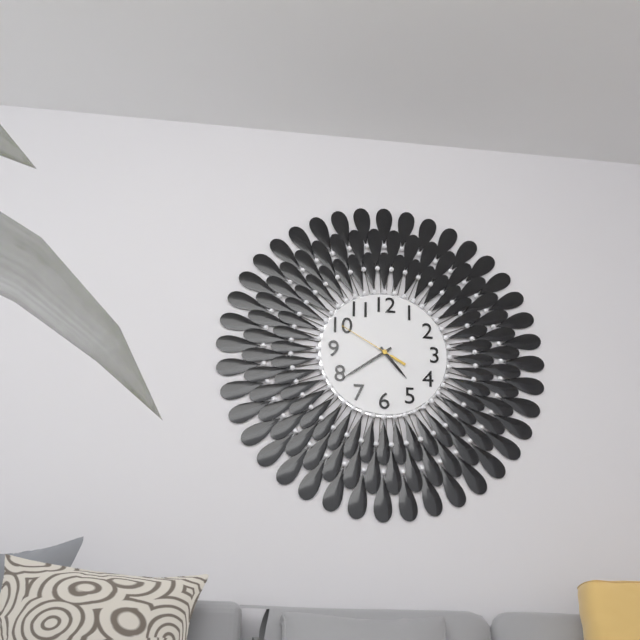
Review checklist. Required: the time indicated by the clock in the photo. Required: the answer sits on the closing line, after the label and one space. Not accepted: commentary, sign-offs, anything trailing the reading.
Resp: 4:39:50
